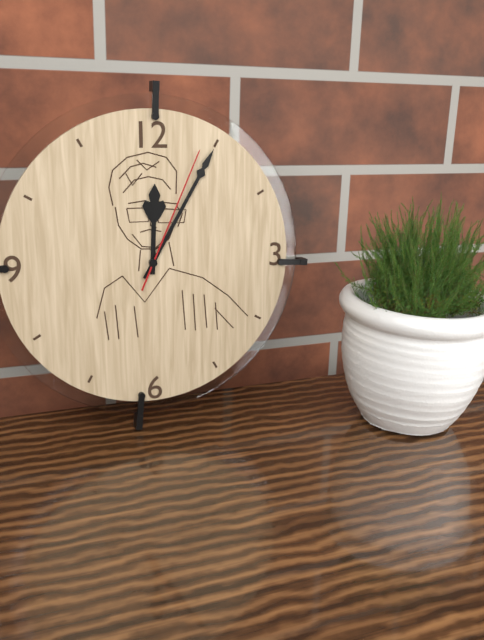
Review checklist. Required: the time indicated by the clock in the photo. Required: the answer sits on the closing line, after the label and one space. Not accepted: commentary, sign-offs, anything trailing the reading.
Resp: 12:05:04
